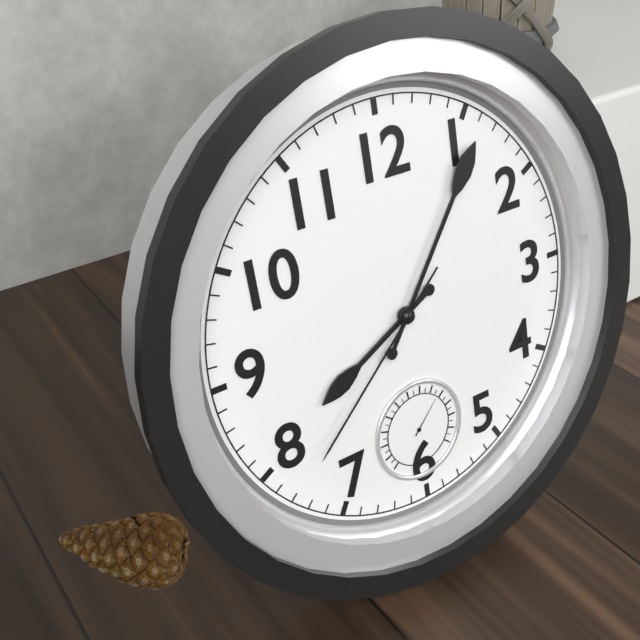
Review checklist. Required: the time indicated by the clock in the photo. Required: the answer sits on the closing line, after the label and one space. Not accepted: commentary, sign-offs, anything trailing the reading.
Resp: 8:06:38
